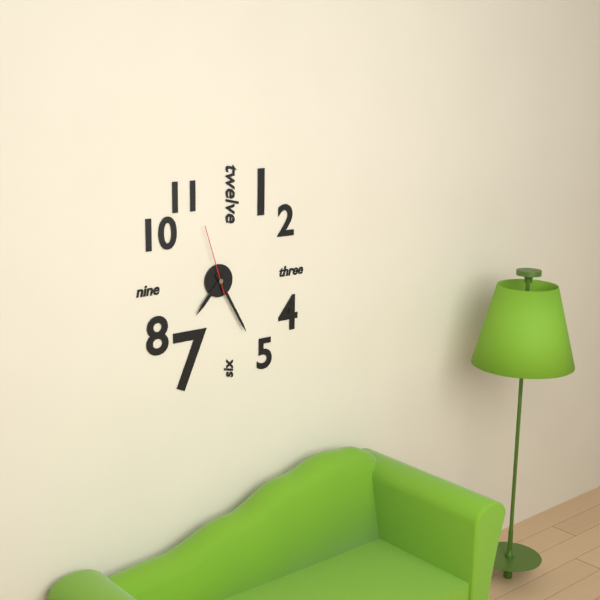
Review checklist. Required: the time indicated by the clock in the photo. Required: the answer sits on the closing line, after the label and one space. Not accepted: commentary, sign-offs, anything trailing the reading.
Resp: 7:25:57
